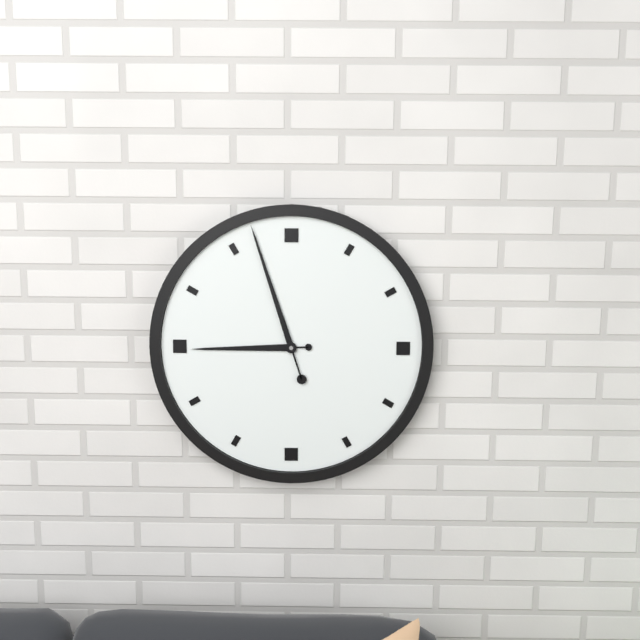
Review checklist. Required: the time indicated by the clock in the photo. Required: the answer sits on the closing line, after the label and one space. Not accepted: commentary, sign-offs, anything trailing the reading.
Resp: 8:57
